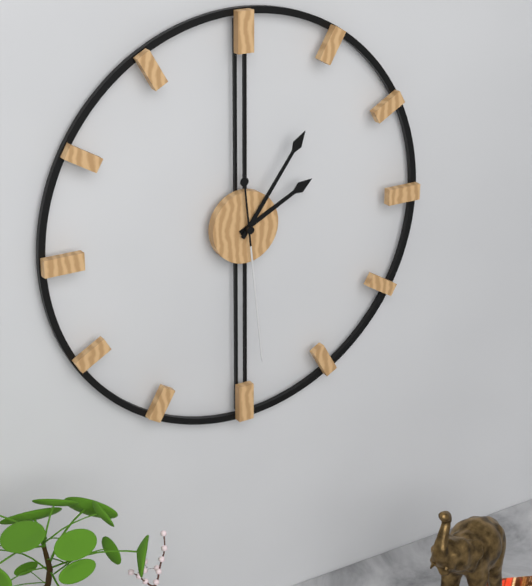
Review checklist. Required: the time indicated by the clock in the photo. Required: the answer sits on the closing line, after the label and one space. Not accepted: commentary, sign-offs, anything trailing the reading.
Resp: 2:06:29
